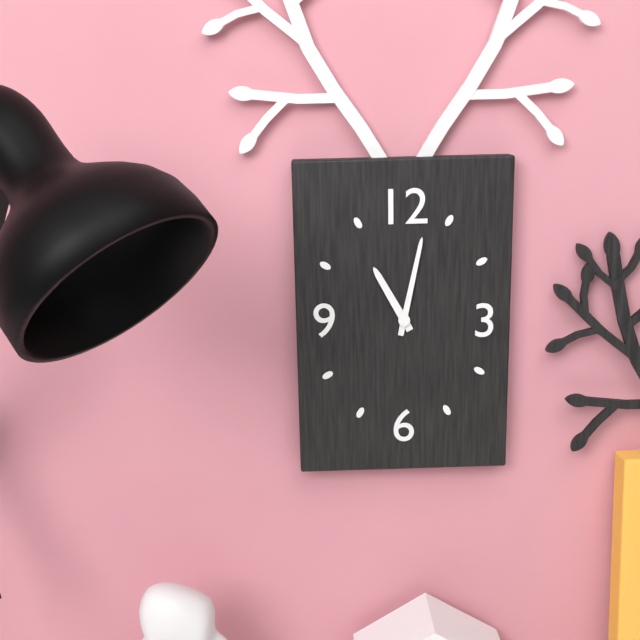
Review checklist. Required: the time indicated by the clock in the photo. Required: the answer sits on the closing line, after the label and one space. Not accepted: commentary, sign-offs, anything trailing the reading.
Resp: 11:02
